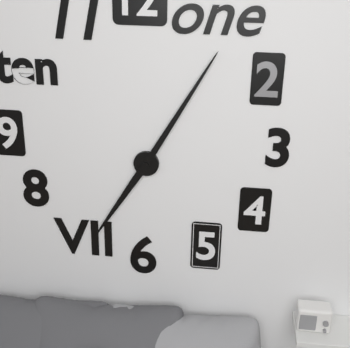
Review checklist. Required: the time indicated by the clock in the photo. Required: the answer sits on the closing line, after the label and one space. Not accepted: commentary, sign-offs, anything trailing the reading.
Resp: 7:05
